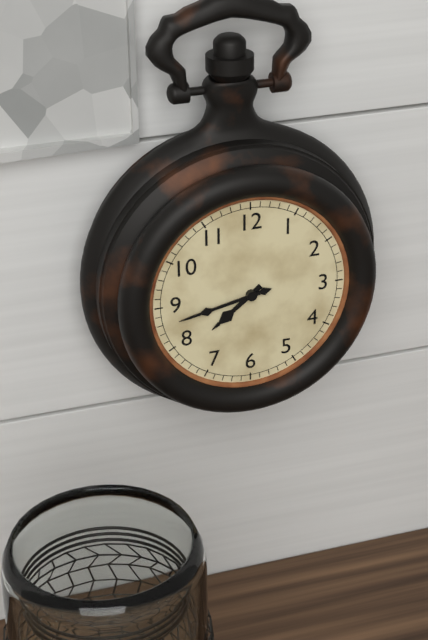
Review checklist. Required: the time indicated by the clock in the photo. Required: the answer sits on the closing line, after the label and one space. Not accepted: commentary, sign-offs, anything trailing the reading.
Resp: 7:43
